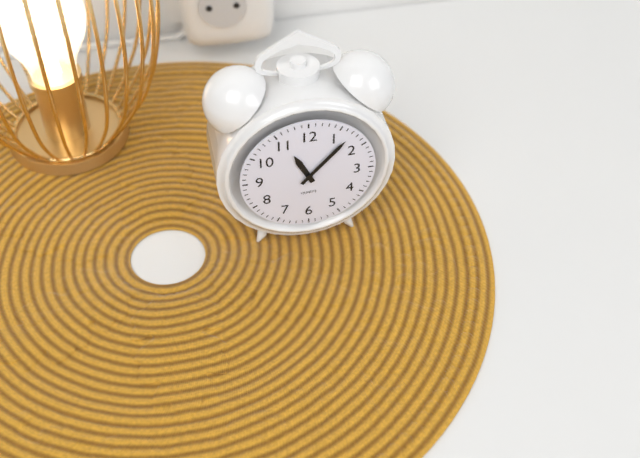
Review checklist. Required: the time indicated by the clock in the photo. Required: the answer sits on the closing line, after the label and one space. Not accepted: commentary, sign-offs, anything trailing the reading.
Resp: 11:07
